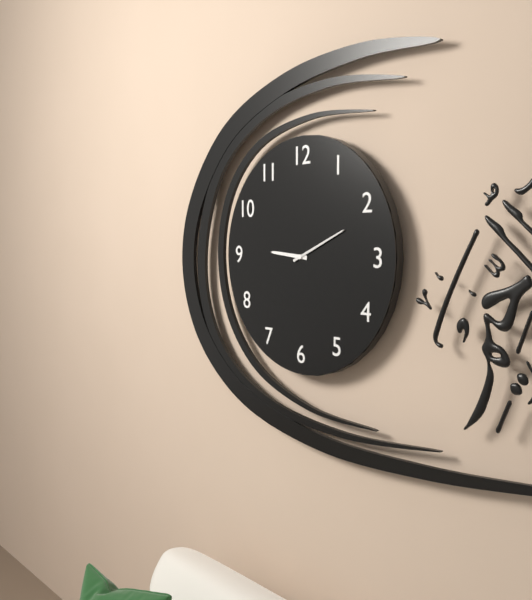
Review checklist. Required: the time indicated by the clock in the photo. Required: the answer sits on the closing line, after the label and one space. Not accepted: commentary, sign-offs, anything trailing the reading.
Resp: 9:11
